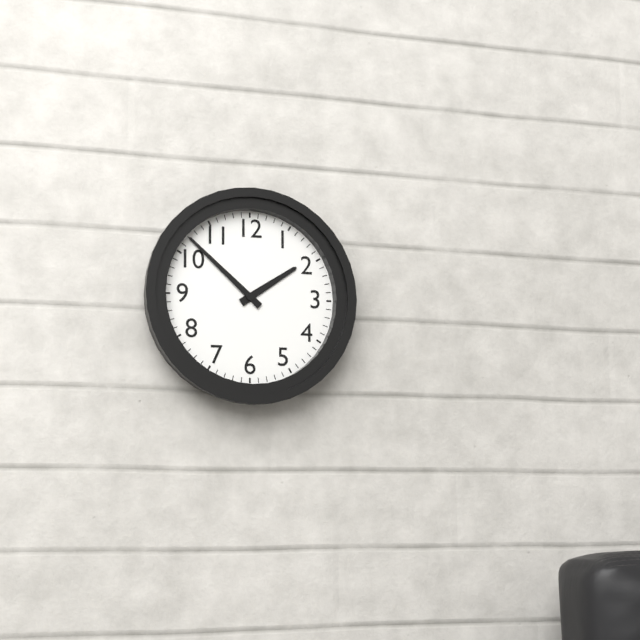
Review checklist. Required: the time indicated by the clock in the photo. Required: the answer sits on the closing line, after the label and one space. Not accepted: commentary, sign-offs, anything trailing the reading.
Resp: 1:52
